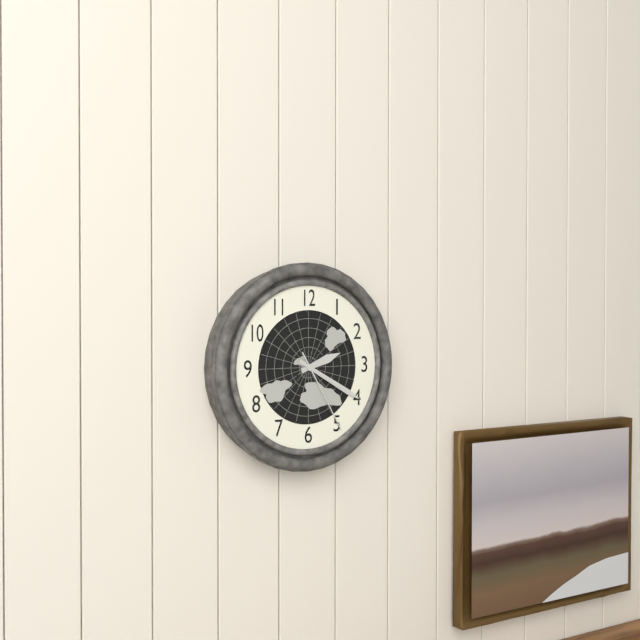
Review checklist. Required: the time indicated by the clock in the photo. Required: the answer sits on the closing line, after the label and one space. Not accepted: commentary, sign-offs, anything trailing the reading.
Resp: 2:20:25
